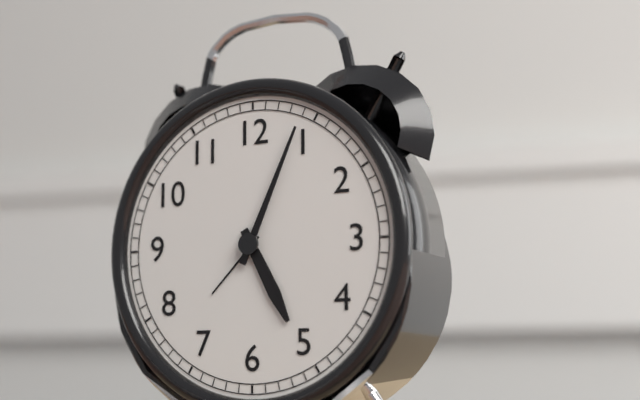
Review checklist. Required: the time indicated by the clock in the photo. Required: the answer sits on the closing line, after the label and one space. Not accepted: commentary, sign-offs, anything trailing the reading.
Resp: 5:04
